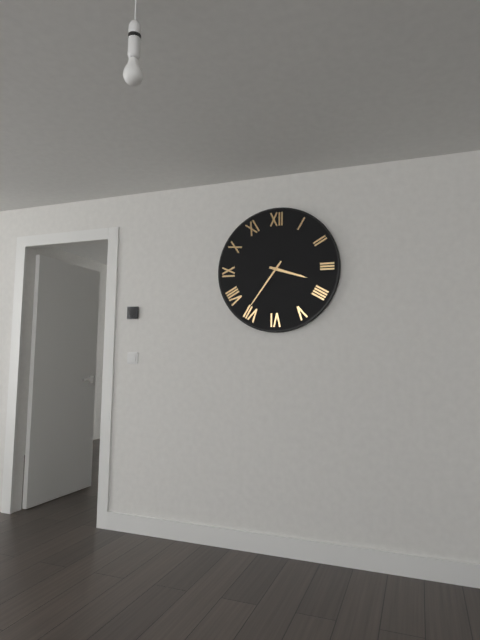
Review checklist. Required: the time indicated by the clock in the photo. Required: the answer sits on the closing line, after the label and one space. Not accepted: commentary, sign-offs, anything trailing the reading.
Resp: 3:36
